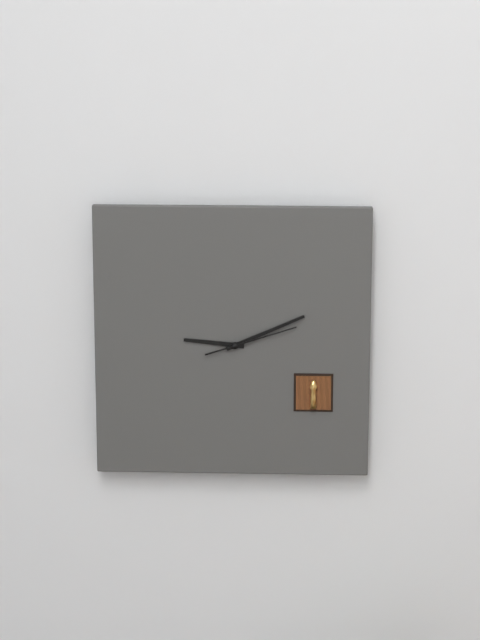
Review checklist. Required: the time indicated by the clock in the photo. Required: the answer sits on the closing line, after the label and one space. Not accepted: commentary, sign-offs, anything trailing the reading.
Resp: 9:11:12
